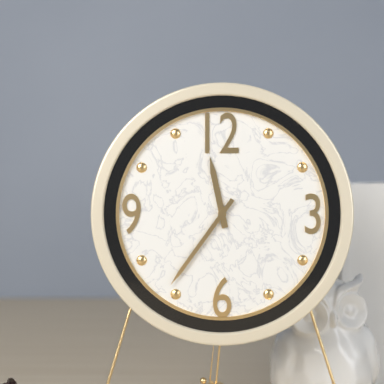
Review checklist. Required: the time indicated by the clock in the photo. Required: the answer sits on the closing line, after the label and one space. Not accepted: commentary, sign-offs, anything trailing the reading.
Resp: 11:36
